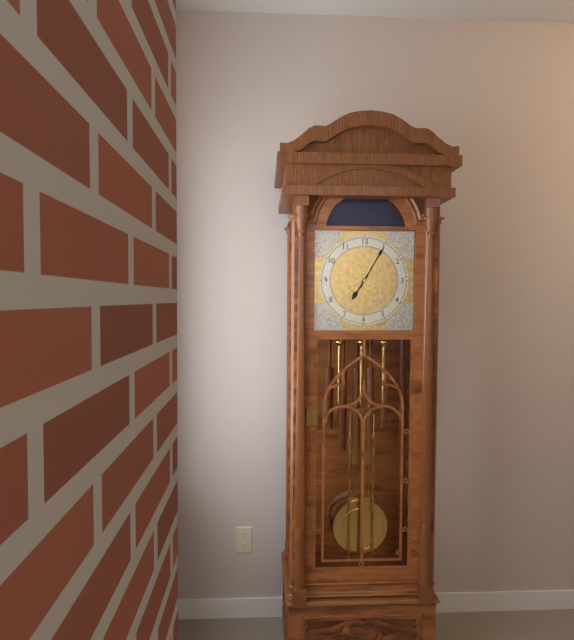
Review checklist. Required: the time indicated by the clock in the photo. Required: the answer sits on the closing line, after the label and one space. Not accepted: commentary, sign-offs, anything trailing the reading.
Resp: 7:05
